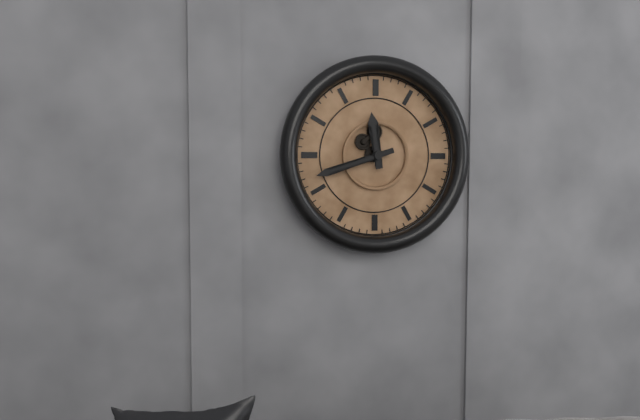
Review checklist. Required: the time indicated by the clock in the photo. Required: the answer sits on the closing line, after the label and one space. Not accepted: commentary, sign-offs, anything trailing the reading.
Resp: 11:42
